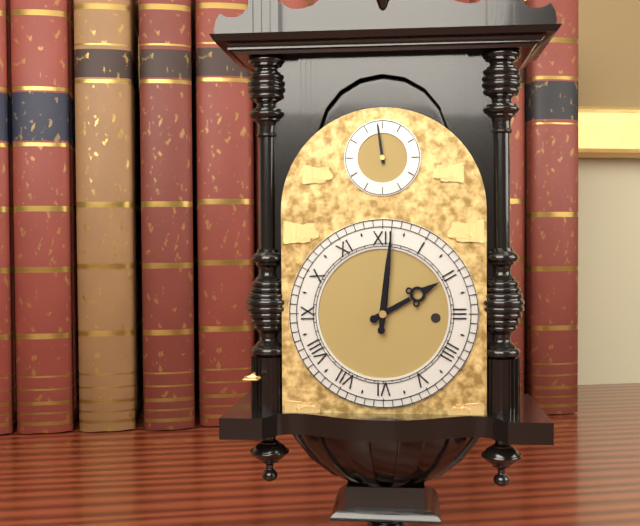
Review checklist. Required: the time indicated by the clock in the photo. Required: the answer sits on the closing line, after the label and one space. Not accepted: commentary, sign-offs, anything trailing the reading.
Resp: 2:01
